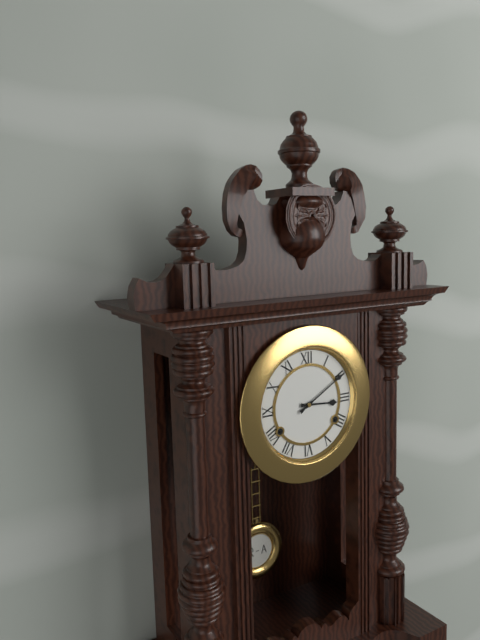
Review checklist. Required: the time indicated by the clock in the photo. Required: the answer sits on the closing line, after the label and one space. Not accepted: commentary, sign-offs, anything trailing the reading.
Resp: 3:10
